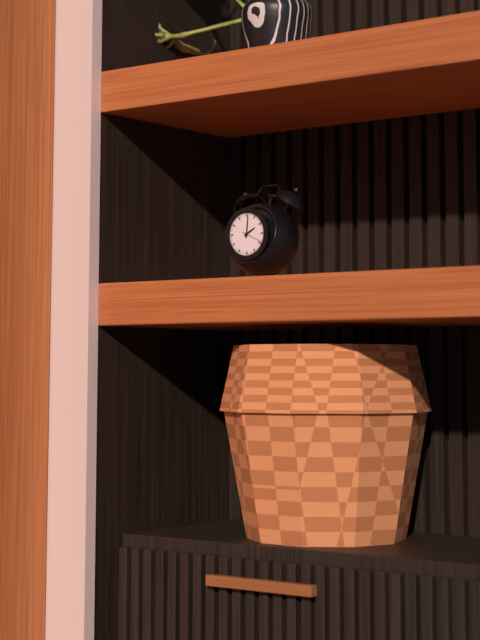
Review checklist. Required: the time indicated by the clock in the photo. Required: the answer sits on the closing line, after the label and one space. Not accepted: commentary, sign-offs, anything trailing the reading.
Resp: 2:01
